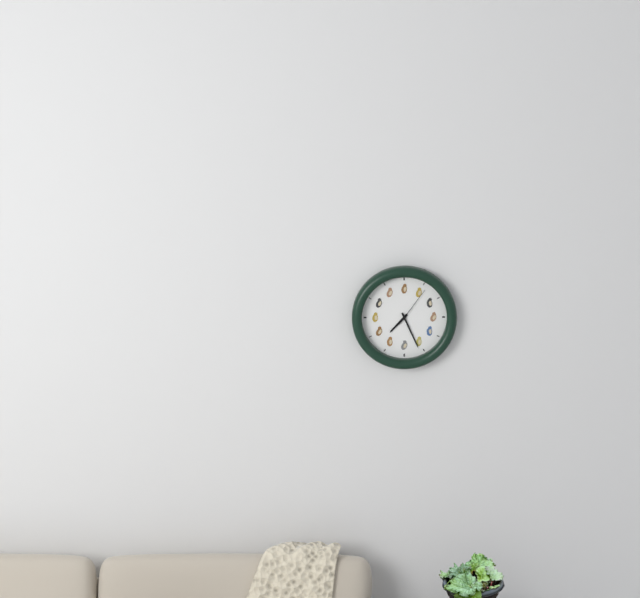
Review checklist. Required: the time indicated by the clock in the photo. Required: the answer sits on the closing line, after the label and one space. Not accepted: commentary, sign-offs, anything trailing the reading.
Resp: 7:26
